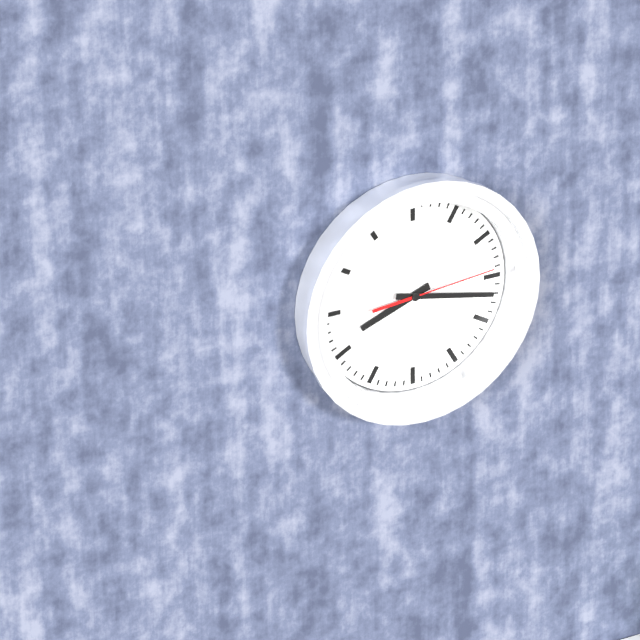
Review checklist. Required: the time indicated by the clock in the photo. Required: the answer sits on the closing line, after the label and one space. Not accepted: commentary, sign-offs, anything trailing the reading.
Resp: 8:17:14
